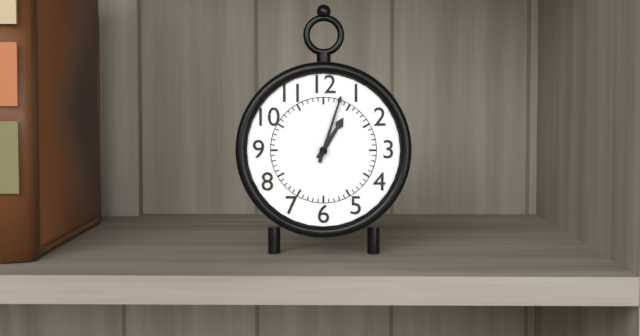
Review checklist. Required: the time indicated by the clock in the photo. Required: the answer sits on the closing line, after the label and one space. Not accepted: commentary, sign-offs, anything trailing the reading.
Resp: 1:03
